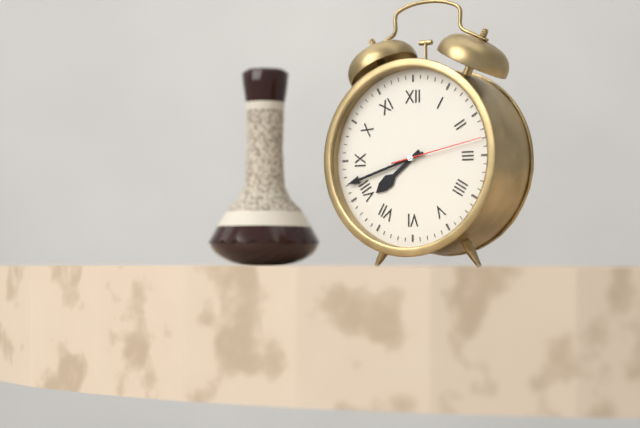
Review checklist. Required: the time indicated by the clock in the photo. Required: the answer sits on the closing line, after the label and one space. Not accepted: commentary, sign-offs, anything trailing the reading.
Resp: 7:42:13
